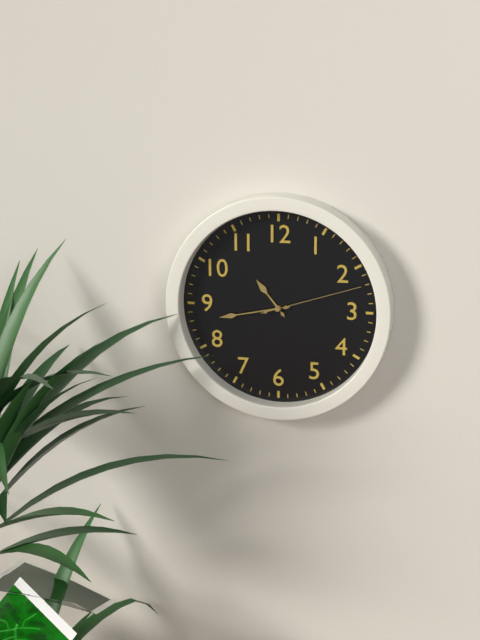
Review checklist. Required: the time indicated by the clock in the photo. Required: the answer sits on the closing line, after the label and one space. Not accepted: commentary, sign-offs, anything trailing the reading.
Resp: 10:43:12
